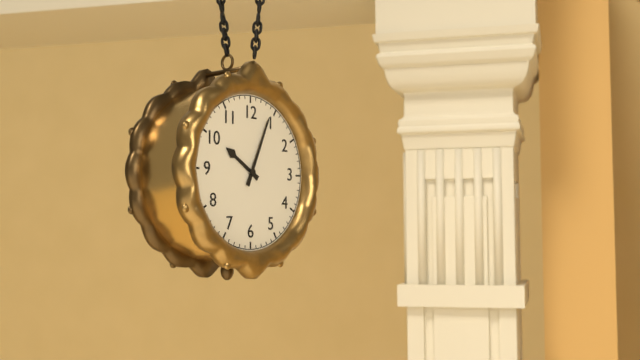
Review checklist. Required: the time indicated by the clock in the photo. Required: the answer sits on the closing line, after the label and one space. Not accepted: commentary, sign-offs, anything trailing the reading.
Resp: 10:04
